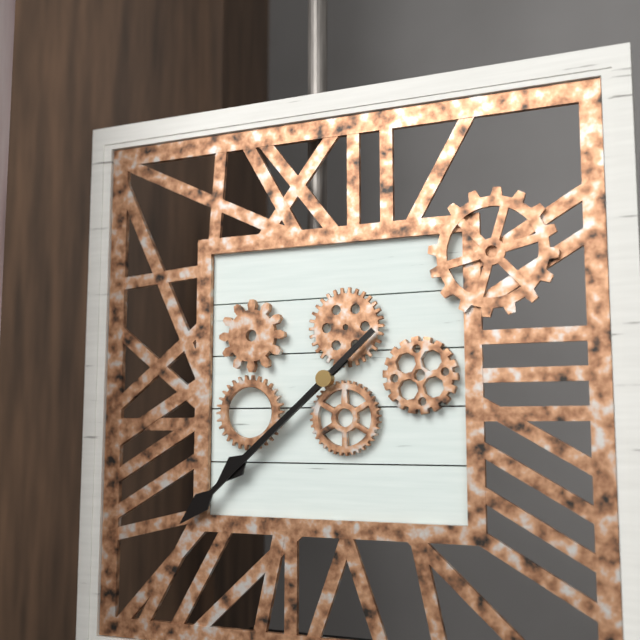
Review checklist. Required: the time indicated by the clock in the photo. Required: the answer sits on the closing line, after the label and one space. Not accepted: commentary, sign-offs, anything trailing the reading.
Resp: 7:38
